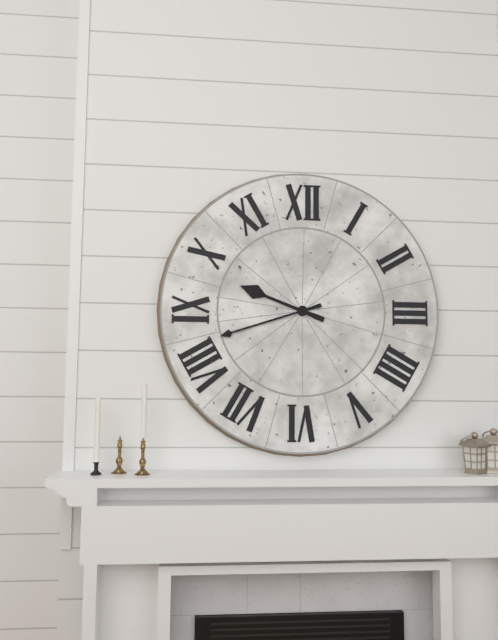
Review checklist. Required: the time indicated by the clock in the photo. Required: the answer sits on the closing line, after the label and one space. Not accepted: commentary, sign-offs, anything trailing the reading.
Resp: 9:42
